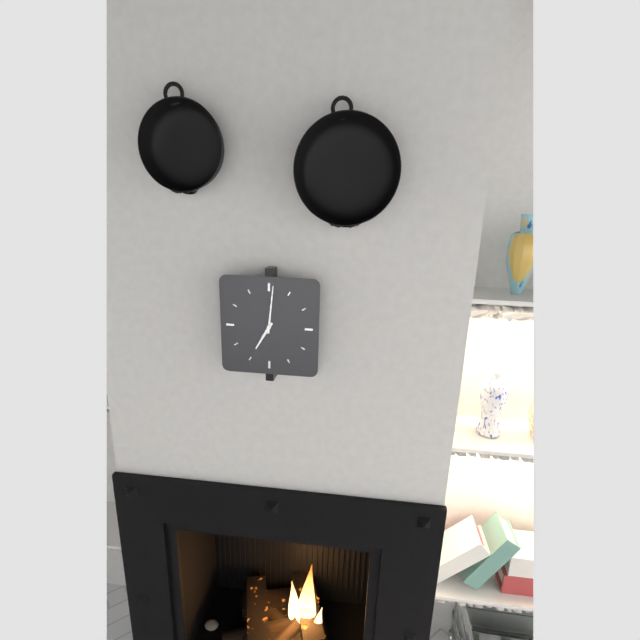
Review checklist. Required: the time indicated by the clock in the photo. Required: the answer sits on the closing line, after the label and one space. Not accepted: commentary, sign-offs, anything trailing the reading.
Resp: 7:01
